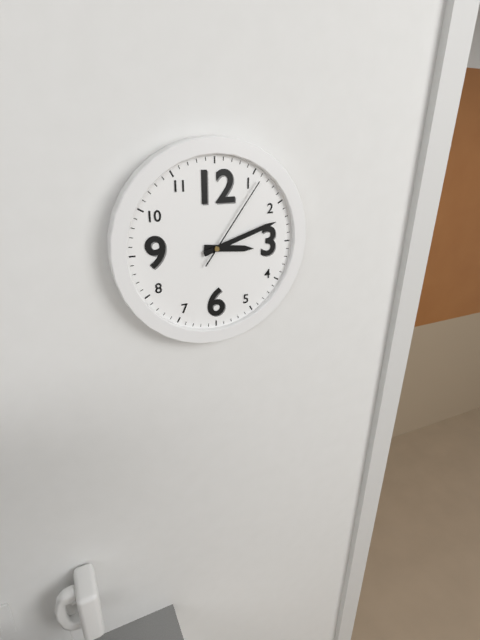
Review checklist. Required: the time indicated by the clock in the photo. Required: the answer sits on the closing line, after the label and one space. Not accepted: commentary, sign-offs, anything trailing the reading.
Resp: 3:12:06
